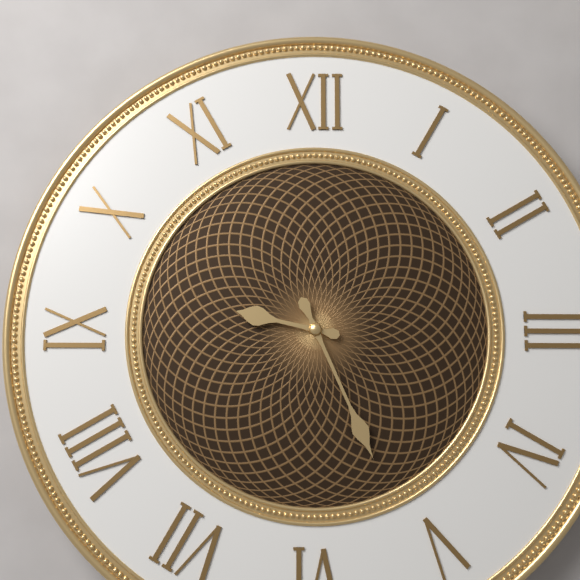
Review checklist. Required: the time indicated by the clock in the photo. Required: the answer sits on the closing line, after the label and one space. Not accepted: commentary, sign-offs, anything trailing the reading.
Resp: 9:26
